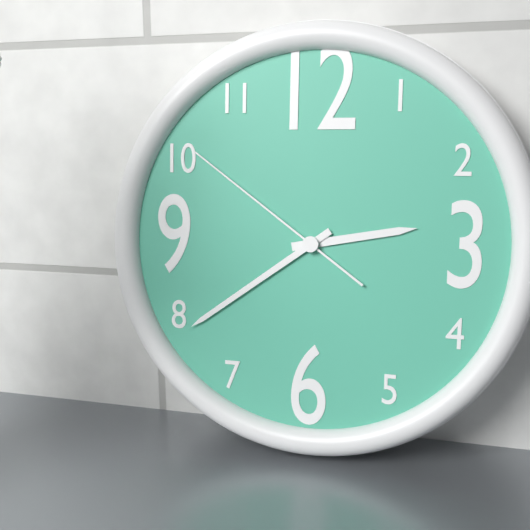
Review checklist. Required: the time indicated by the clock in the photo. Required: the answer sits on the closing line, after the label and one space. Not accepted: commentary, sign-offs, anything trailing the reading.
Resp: 2:39:51
